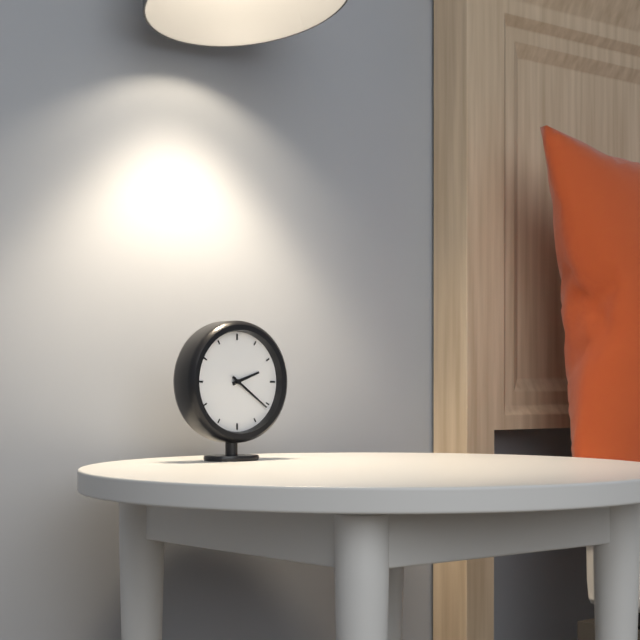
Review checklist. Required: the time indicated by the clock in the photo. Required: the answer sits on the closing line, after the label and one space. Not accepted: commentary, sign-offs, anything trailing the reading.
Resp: 2:21
